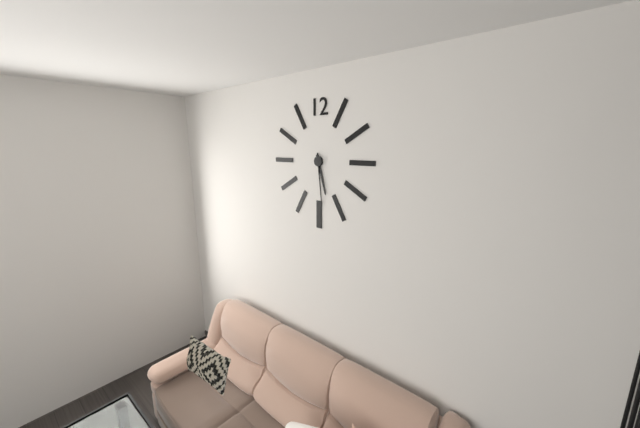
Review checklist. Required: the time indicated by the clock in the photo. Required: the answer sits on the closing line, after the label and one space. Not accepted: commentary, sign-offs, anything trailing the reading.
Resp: 5:29
